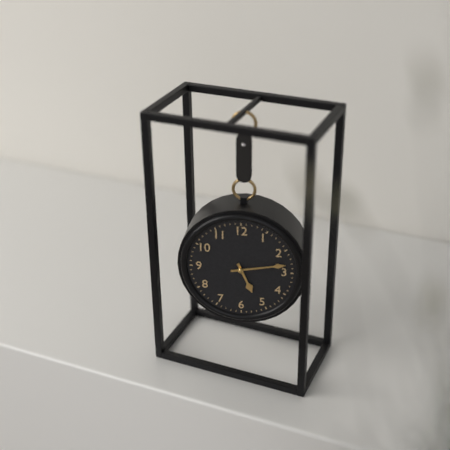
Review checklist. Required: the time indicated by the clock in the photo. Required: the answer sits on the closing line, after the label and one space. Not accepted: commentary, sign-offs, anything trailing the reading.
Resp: 5:13
